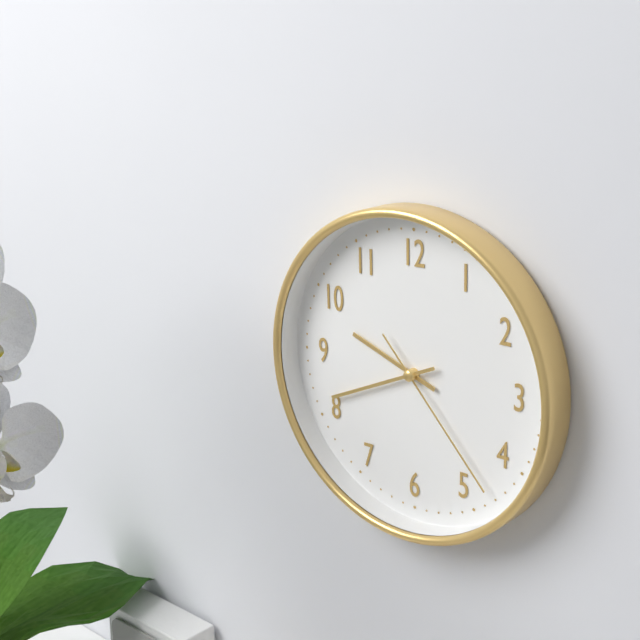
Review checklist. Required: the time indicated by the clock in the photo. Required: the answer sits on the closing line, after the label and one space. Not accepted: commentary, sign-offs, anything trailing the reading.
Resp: 9:41:23
